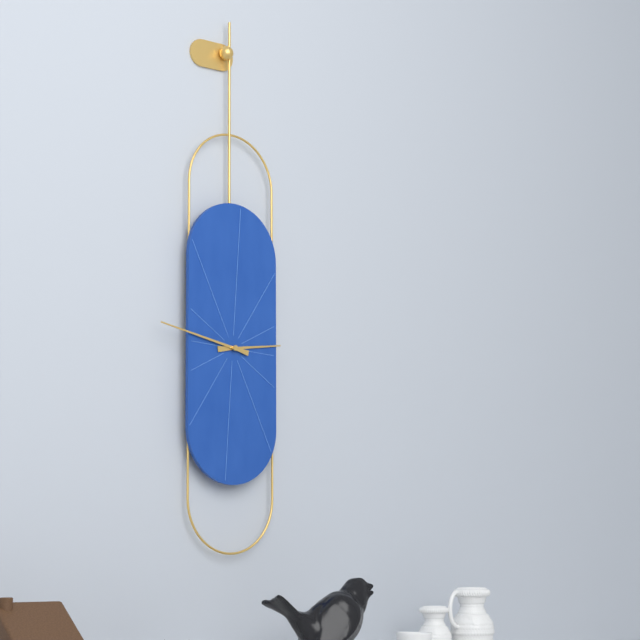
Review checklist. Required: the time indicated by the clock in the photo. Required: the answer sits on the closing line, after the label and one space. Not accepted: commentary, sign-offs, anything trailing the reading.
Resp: 2:47
